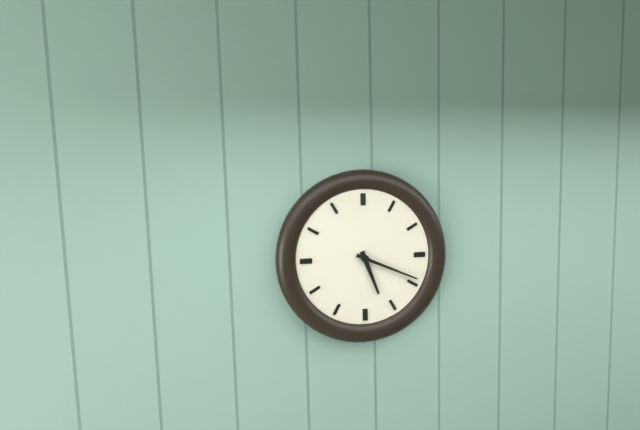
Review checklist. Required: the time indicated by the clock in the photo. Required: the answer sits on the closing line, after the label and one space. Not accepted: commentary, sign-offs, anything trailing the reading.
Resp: 5:19
